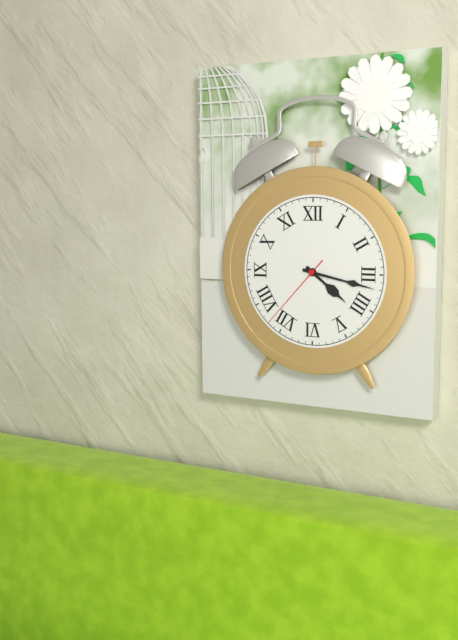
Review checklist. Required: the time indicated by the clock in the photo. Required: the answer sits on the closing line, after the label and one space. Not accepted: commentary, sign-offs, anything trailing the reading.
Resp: 4:17:37
